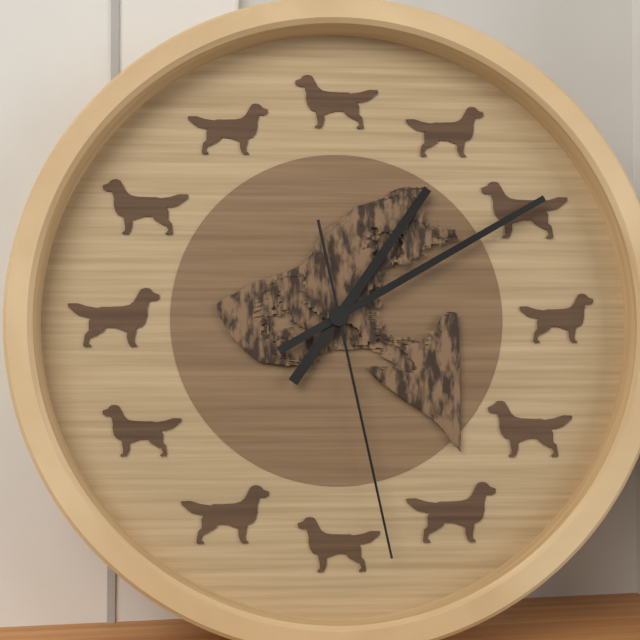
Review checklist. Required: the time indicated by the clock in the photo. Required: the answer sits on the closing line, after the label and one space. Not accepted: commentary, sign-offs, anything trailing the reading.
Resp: 1:10:28
